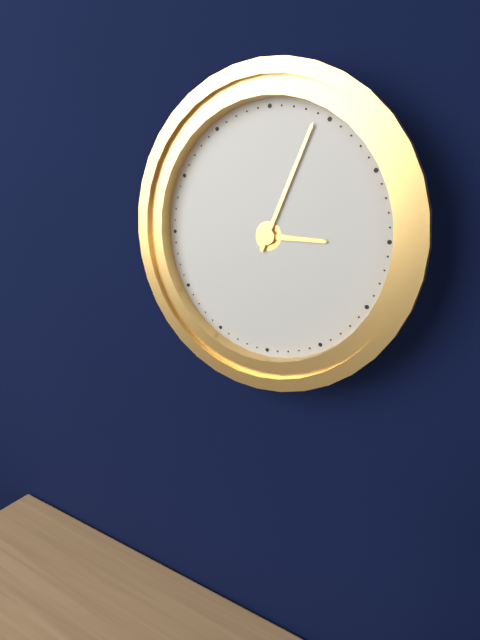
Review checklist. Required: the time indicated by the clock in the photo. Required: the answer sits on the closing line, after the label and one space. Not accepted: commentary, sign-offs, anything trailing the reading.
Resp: 3:04
